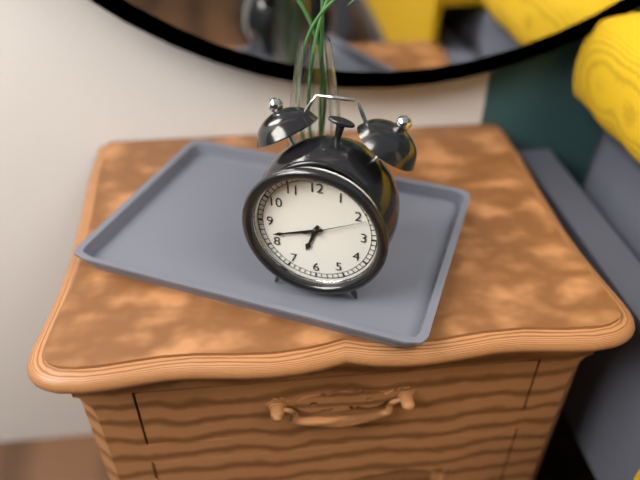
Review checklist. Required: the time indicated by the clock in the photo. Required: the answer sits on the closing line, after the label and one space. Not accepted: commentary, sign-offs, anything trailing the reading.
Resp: 6:42:11
